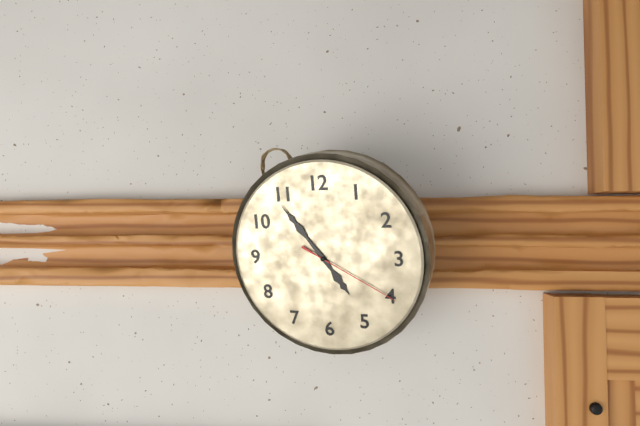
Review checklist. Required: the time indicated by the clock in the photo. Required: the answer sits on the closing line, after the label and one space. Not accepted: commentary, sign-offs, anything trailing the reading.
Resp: 4:54:20
